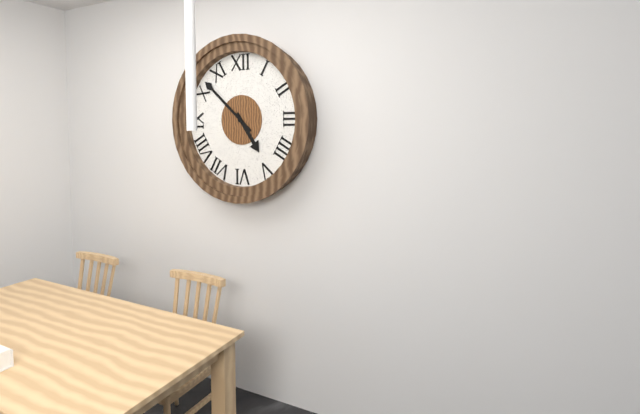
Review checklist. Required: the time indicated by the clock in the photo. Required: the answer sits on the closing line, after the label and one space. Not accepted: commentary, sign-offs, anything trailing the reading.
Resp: 4:52
